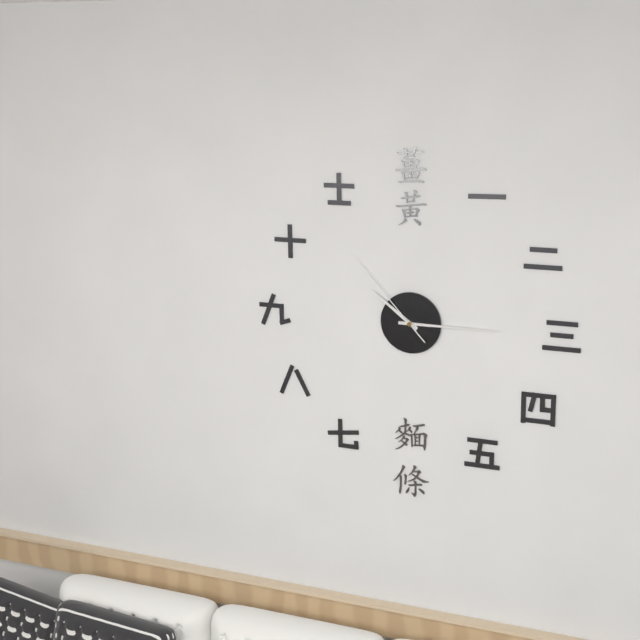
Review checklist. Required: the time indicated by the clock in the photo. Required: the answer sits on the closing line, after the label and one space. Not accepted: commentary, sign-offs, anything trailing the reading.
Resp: 10:15:53
